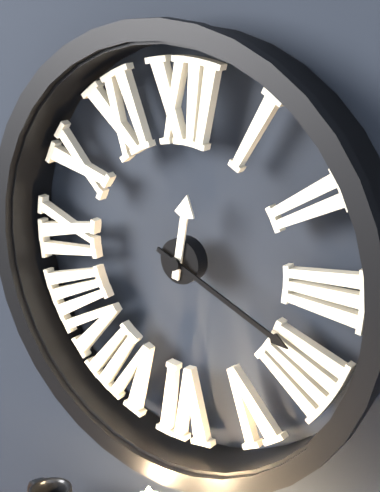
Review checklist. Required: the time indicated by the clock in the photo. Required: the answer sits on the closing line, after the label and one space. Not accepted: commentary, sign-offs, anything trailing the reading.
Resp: 12:19
